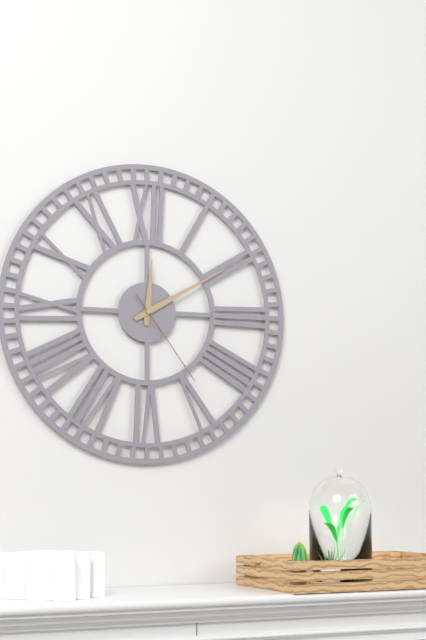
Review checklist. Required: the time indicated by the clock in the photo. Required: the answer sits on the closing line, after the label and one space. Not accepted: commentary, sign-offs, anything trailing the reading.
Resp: 12:10:24
